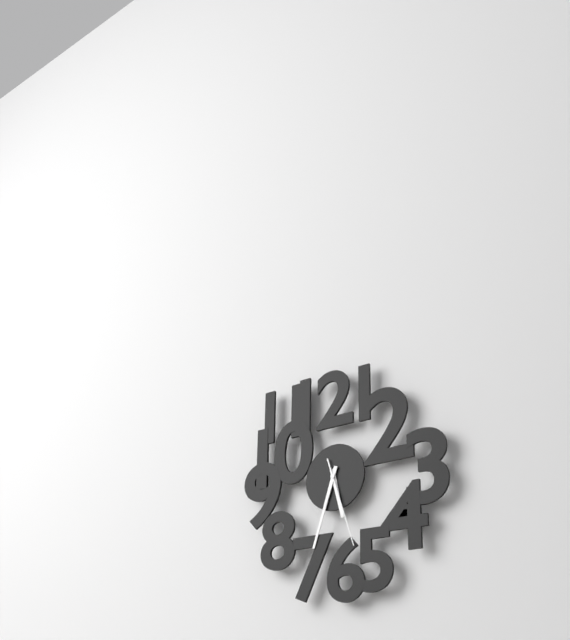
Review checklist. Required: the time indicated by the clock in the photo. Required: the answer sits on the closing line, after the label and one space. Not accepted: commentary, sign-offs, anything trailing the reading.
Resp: 5:33:27
